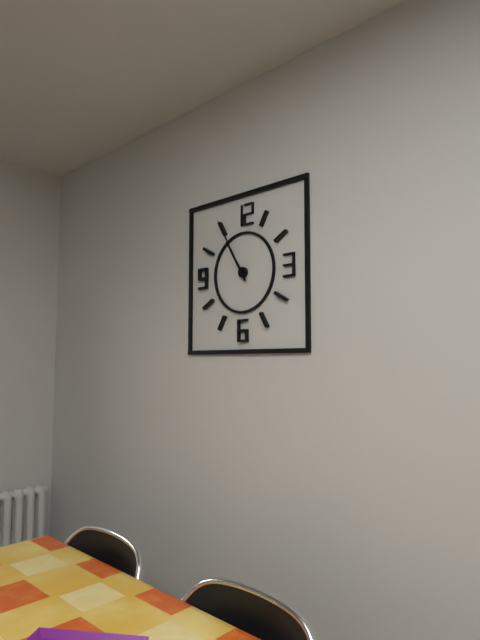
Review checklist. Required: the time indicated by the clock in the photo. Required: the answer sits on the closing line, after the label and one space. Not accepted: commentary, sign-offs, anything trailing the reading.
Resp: 10:55
